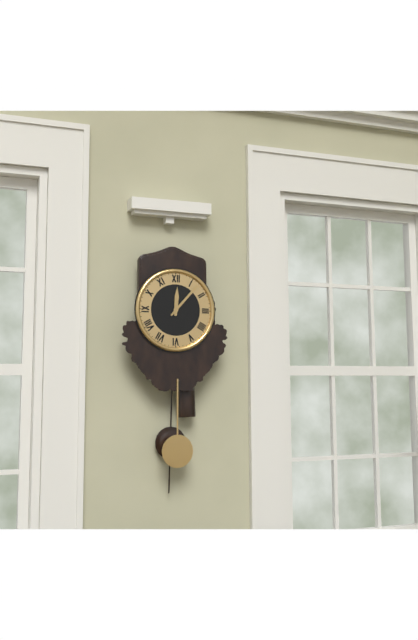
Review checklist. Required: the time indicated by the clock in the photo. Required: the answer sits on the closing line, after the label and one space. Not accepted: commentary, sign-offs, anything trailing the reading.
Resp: 12:07
